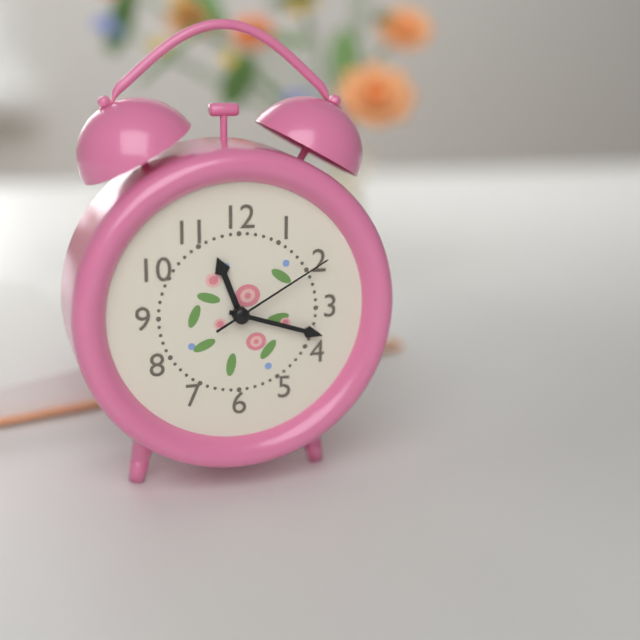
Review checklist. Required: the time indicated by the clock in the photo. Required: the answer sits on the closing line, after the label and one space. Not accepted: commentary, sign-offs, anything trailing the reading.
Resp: 11:18:10
